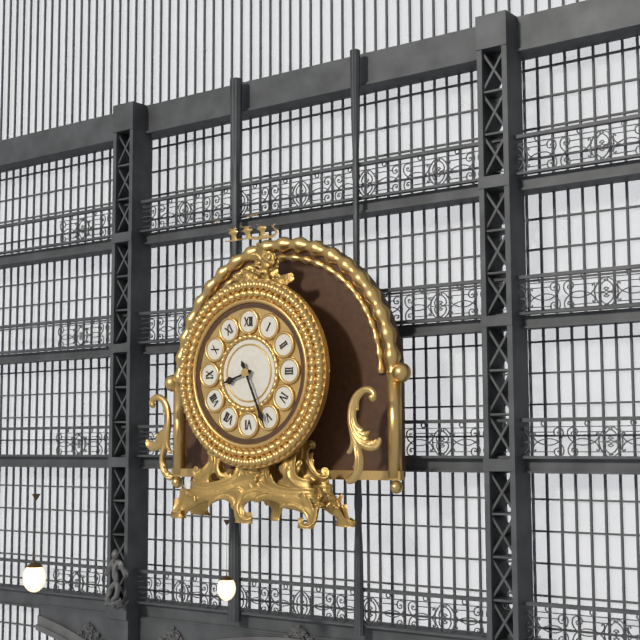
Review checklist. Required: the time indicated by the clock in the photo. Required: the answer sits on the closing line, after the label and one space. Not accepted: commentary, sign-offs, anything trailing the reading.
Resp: 8:26
